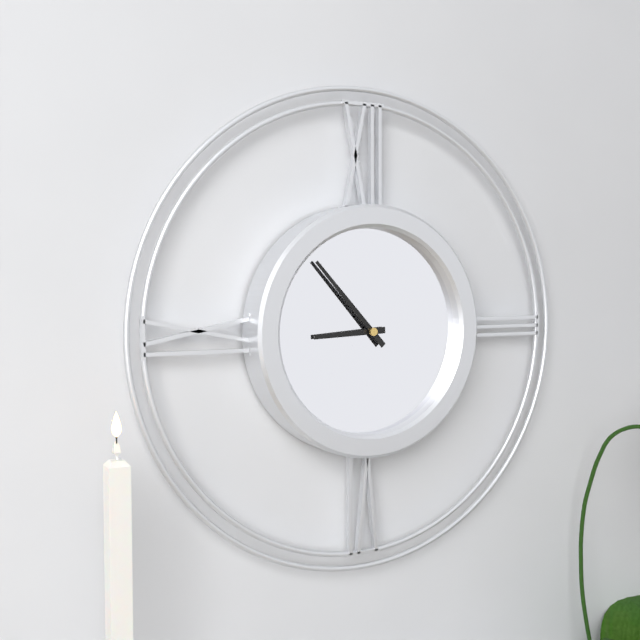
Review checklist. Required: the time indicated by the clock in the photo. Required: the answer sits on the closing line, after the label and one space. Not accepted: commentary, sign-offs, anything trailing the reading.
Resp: 8:53
